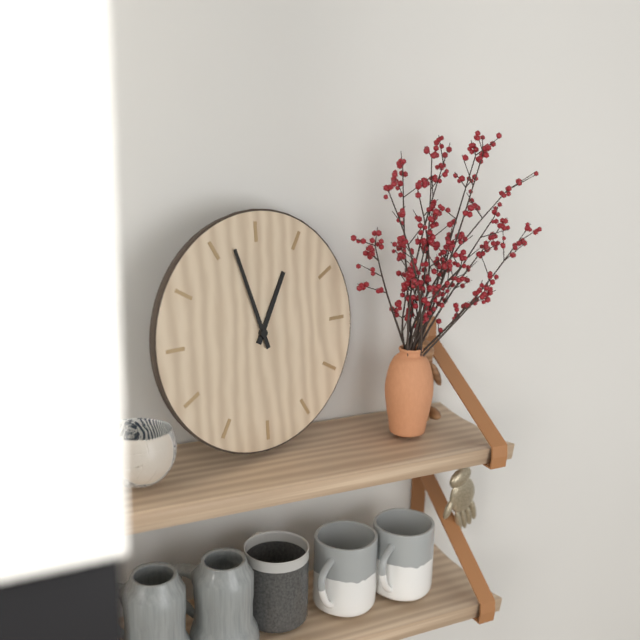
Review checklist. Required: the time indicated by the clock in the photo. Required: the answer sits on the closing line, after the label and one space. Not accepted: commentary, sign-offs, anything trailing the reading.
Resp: 12:57
